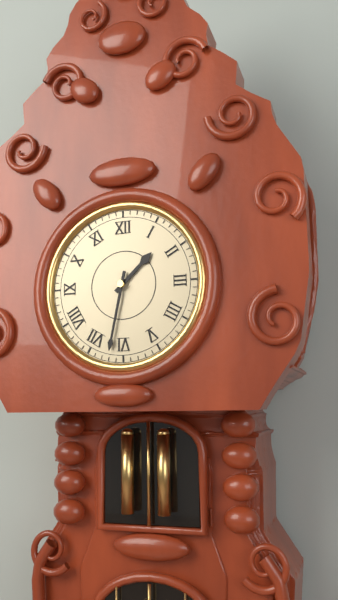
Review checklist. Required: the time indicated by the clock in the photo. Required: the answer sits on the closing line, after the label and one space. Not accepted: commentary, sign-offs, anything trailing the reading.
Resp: 1:32
